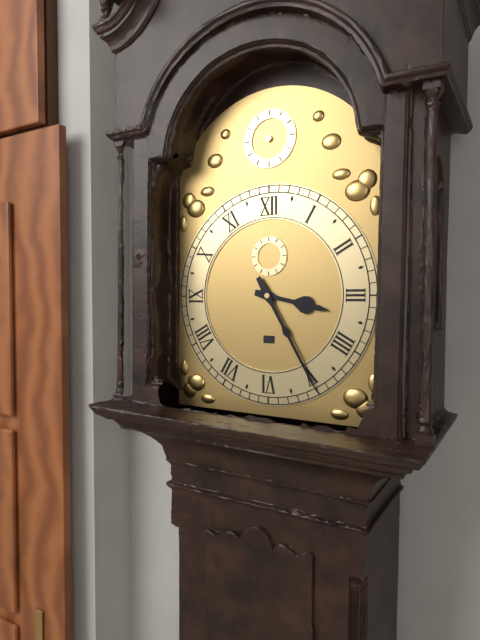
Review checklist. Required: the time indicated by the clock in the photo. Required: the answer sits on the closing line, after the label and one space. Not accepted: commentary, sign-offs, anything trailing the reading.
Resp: 3:25
